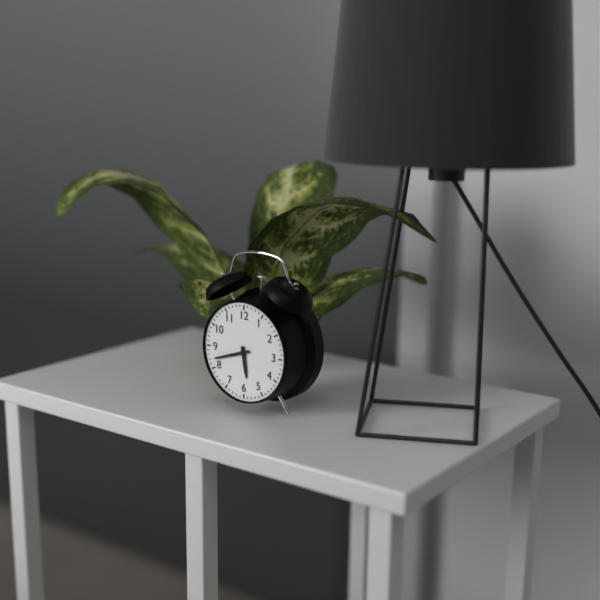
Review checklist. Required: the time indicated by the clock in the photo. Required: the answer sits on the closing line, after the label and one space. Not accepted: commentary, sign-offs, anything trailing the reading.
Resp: 5:42
